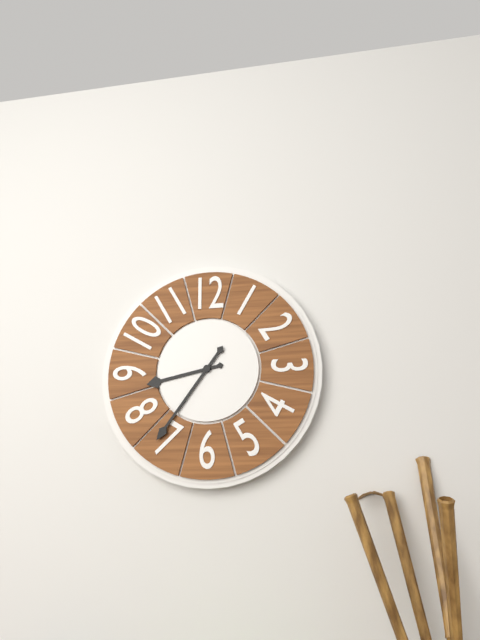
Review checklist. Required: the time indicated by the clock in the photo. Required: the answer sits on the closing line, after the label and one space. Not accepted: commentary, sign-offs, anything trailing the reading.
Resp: 8:36
